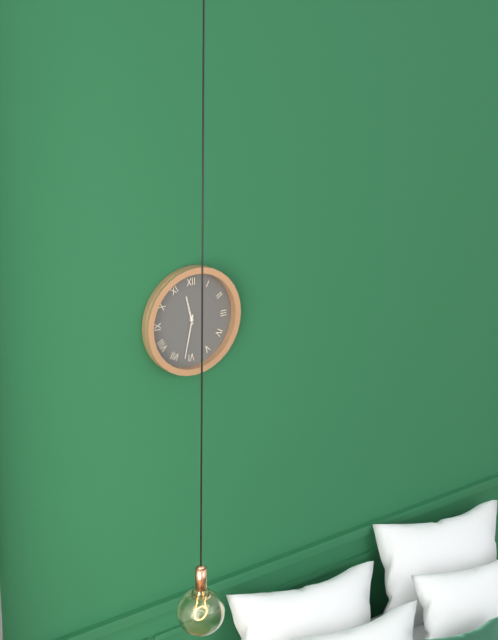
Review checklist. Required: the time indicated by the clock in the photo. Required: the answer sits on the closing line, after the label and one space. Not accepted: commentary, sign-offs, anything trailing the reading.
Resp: 11:32
